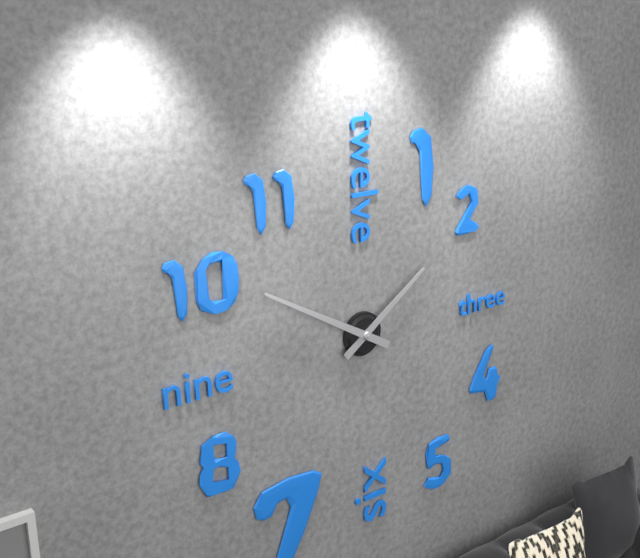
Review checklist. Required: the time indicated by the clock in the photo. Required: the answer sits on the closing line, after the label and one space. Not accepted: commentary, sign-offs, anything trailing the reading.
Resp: 1:50
